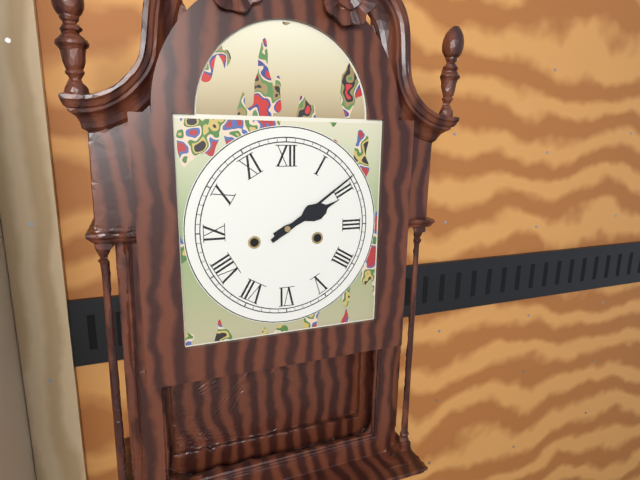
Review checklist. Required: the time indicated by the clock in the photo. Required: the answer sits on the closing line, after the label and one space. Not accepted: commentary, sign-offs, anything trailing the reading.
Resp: 2:09
